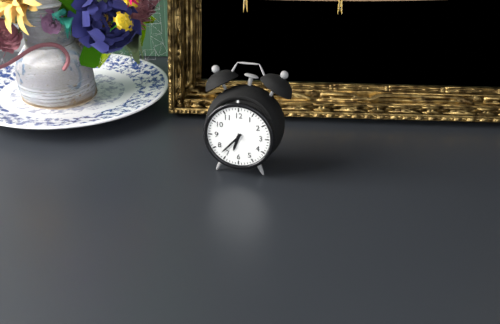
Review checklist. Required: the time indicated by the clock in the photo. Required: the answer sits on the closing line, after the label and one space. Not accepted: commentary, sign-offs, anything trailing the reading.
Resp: 6:37
